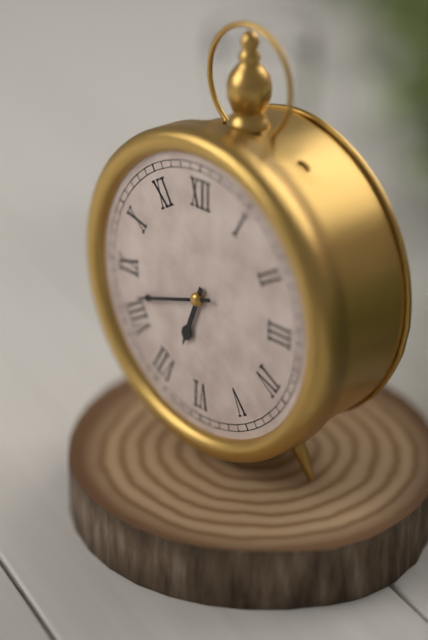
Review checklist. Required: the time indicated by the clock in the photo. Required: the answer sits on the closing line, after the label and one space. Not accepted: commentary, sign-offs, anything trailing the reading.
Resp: 6:42
